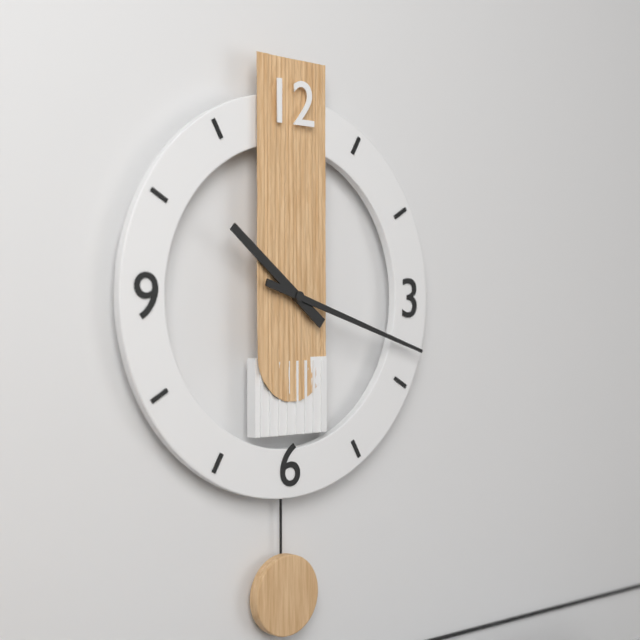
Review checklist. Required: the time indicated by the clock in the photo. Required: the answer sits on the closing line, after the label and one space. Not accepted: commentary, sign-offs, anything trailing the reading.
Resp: 10:18
